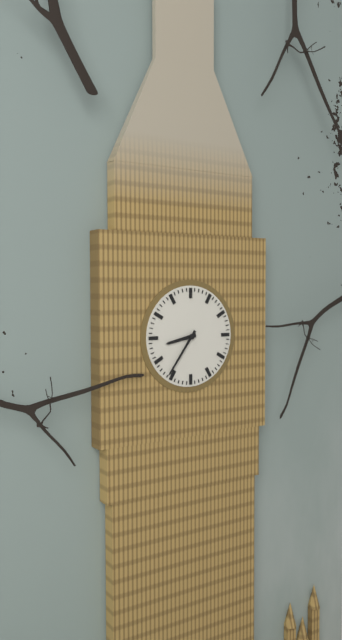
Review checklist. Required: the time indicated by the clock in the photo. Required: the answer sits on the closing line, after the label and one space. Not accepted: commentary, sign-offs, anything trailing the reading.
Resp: 8:36
